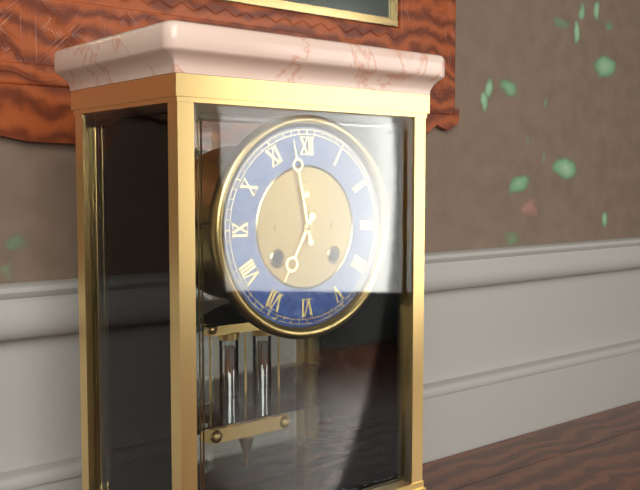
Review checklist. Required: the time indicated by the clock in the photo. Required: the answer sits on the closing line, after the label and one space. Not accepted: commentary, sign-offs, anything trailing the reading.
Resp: 6:58
